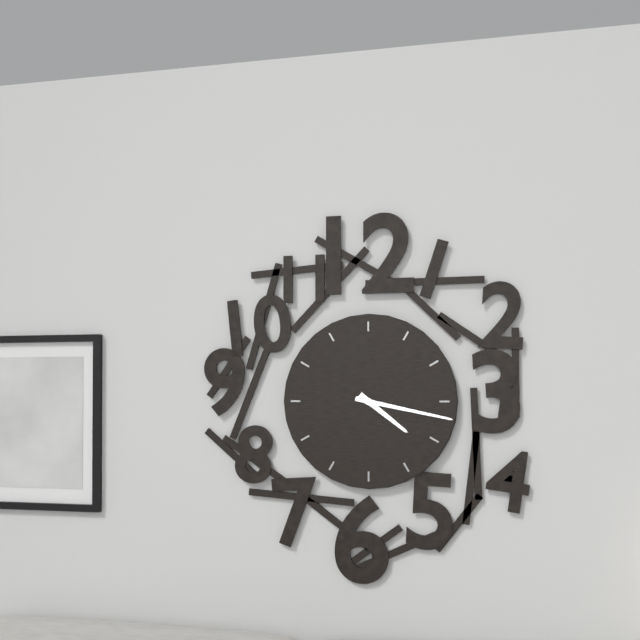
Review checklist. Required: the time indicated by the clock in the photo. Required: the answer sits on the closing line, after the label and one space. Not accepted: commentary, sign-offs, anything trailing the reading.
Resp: 4:17
